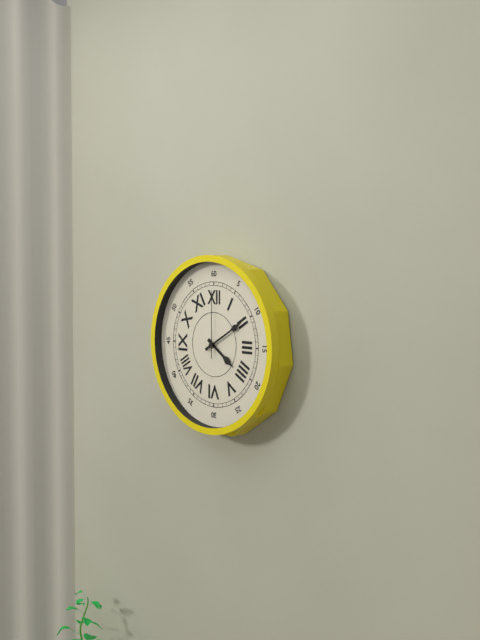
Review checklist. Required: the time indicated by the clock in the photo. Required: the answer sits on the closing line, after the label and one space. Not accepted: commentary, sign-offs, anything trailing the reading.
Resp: 4:10:00
